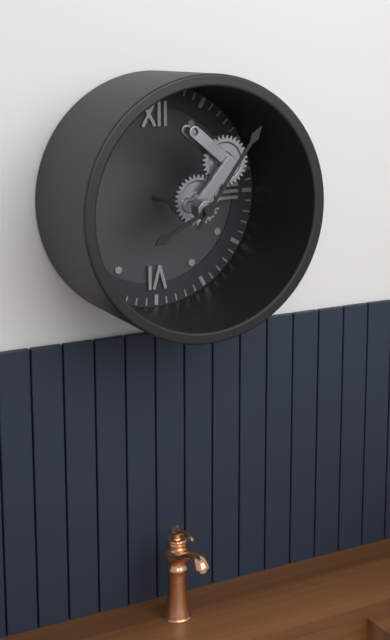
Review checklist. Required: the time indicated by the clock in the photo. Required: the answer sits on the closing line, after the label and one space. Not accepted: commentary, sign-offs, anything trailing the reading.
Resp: 8:06
